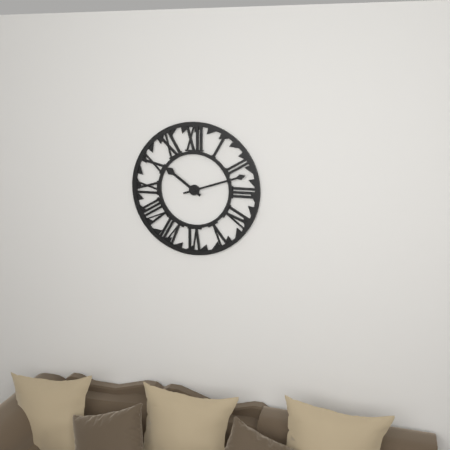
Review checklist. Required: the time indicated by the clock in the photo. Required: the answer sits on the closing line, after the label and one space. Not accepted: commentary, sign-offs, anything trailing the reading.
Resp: 10:12
